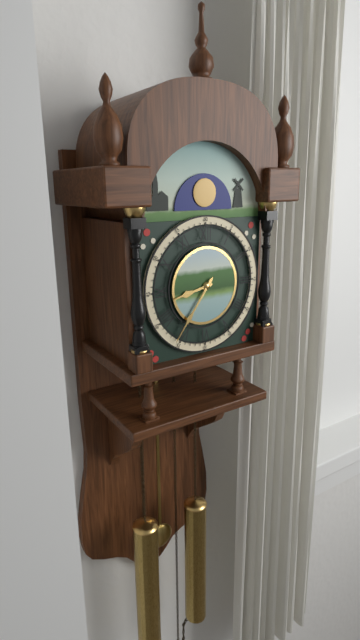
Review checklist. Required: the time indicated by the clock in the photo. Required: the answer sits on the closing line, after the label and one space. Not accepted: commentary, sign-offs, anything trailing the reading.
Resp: 8:36
